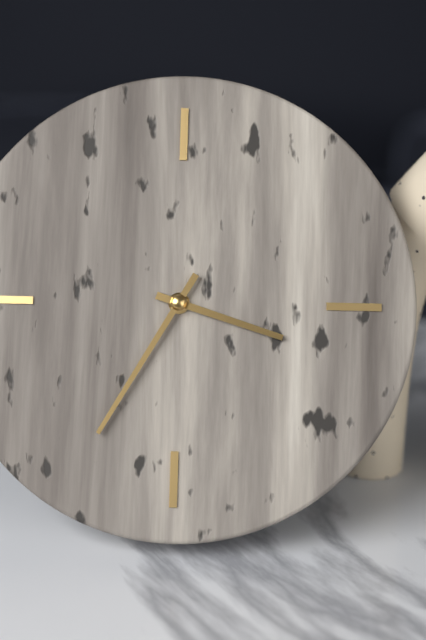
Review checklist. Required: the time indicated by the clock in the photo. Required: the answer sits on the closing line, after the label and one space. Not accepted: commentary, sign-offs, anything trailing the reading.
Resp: 3:35
